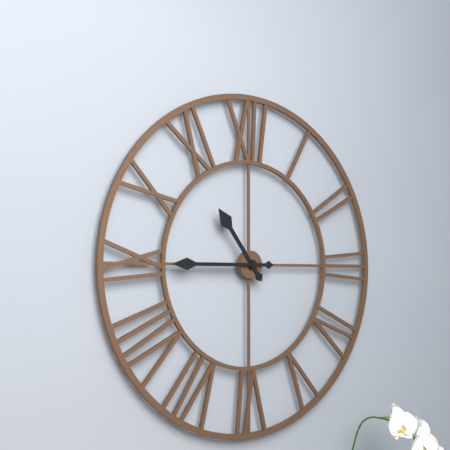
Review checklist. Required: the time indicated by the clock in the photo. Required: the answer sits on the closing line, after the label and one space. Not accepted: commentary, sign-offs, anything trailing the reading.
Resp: 10:45
